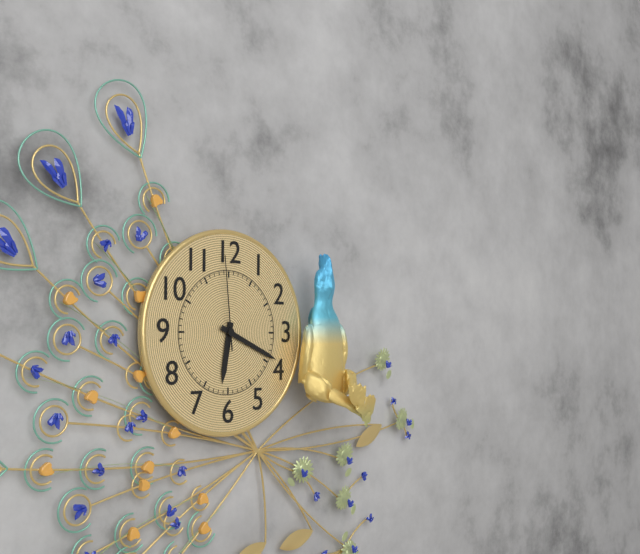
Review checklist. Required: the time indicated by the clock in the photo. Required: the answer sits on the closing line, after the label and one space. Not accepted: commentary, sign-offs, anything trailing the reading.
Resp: 6:19:59
